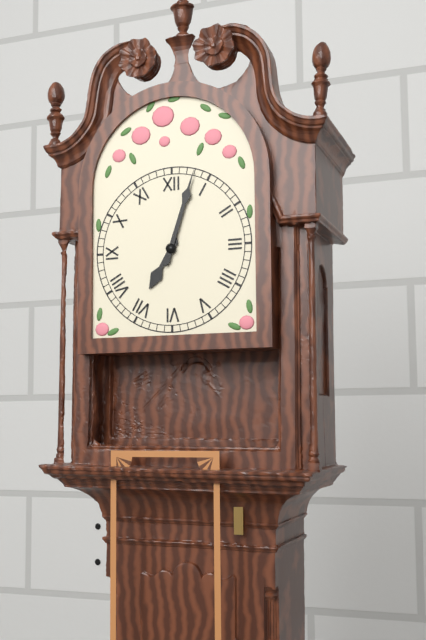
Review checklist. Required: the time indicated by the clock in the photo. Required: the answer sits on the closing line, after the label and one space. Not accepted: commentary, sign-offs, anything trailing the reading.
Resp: 7:03
